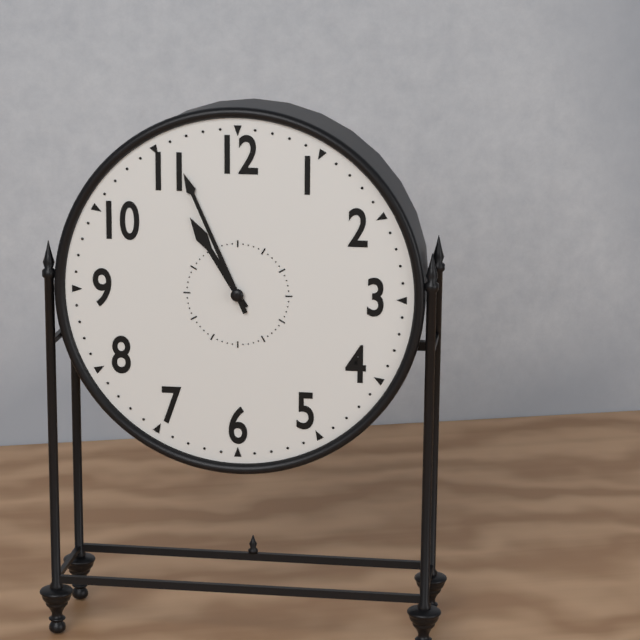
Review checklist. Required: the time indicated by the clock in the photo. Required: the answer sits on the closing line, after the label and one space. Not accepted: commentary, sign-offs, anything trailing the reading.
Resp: 10:56
